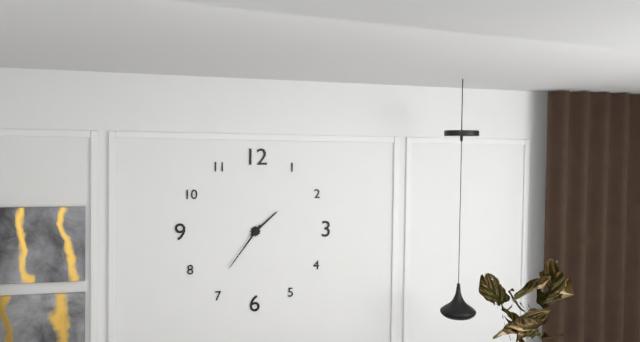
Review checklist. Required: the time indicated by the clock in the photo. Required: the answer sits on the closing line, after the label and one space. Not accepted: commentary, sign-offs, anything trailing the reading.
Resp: 1:36
